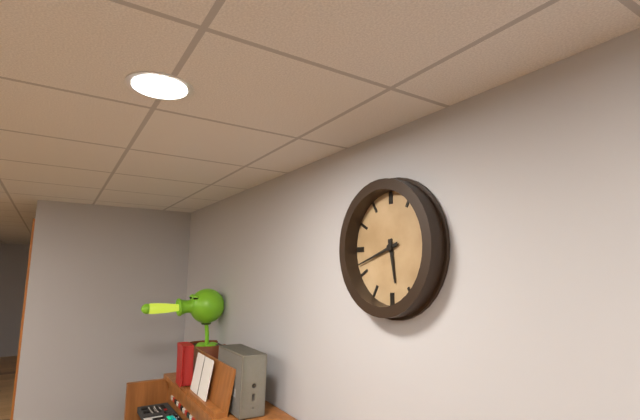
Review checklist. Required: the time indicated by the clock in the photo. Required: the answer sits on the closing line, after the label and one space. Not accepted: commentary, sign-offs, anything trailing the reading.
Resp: 5:42
